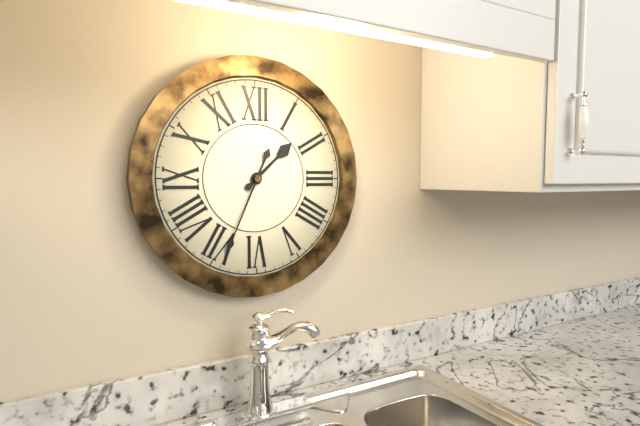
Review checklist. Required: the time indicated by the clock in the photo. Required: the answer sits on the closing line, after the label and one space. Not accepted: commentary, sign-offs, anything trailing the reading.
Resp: 1:34
